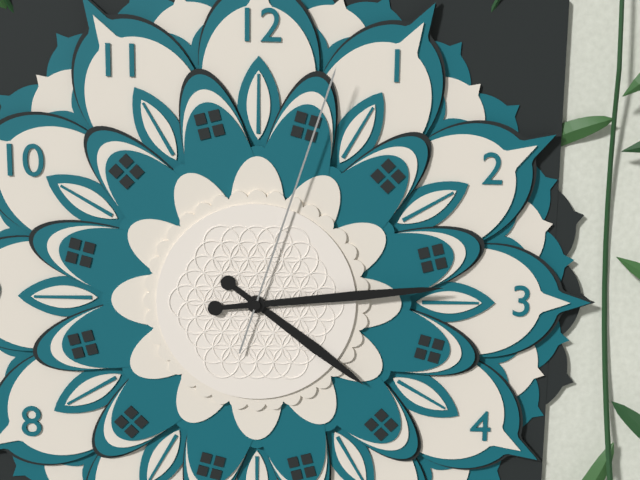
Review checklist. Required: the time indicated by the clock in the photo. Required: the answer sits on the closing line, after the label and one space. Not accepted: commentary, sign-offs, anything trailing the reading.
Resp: 4:14:03
